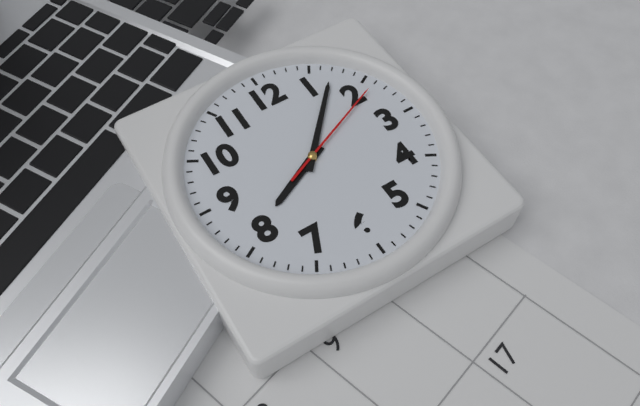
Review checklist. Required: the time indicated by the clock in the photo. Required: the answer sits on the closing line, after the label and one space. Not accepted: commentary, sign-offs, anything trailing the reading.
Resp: 8:07:11
